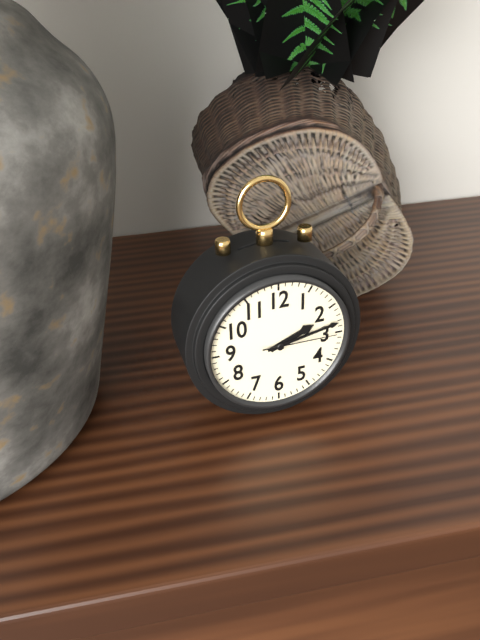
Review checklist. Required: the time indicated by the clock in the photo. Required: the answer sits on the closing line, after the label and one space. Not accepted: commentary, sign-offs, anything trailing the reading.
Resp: 2:13:15
